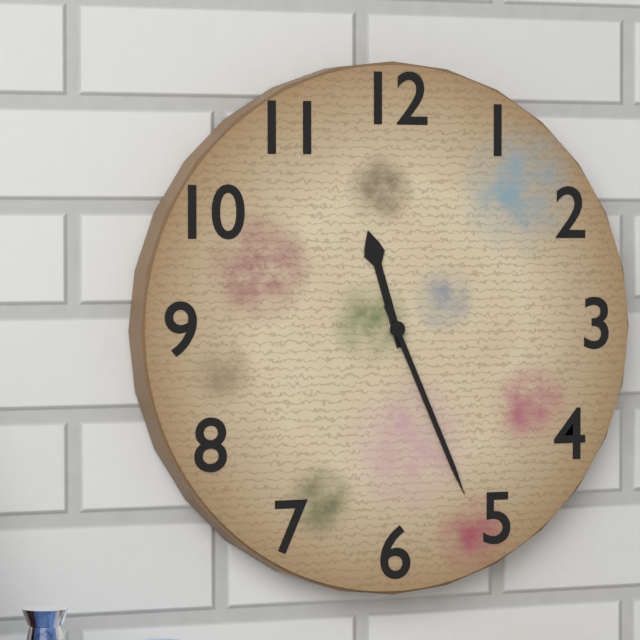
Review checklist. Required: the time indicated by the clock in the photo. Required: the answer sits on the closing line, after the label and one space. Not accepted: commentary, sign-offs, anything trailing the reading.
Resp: 11:26
